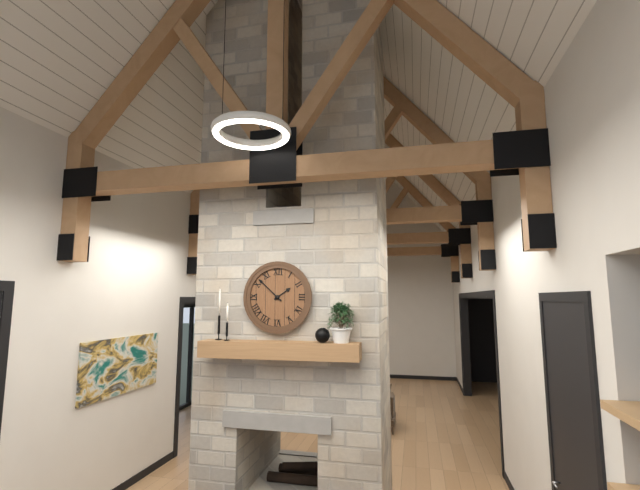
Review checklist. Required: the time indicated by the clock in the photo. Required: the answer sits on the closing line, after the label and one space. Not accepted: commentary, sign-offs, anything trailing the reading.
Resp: 1:52
